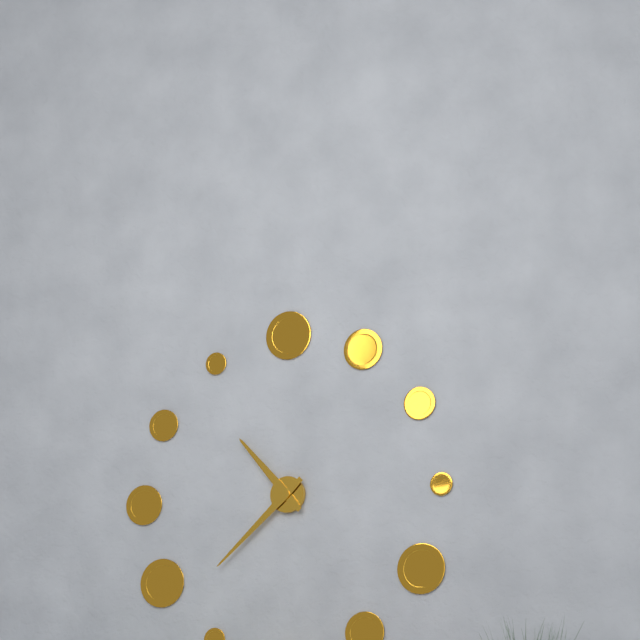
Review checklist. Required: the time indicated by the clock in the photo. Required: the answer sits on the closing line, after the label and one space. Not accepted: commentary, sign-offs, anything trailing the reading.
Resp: 10:38
